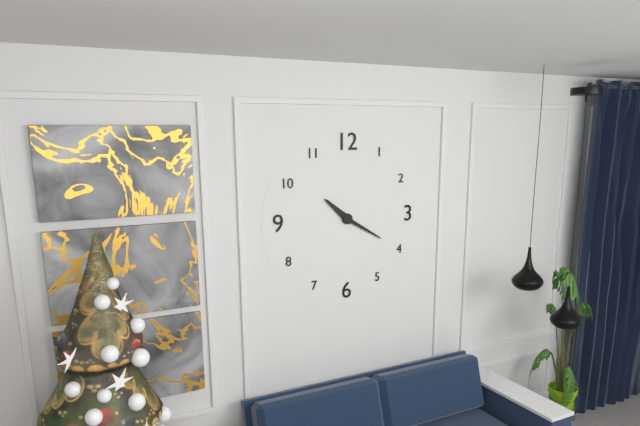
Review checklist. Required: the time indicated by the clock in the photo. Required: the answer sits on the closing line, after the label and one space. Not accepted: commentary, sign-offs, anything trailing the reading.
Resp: 10:20
